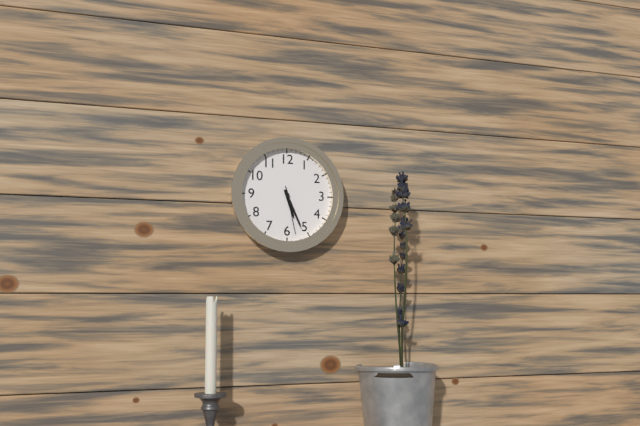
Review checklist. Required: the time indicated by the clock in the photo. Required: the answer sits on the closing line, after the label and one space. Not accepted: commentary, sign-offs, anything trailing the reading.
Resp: 5:26:28
